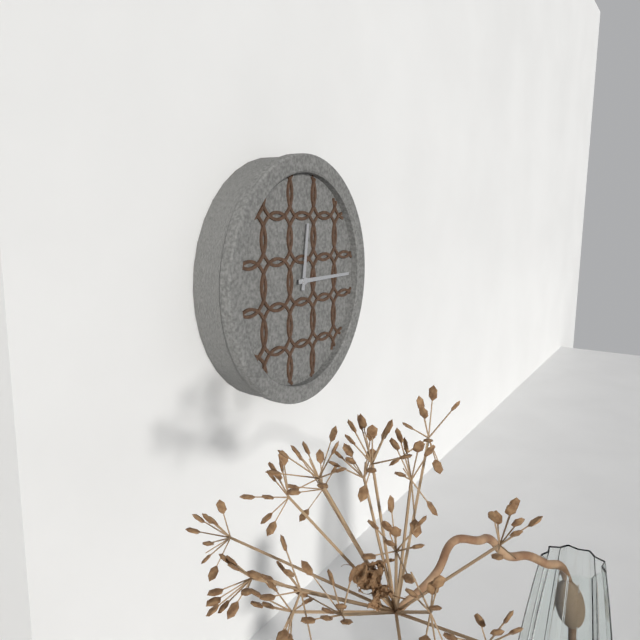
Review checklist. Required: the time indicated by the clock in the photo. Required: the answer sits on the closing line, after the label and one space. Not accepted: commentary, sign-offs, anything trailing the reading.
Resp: 12:15
